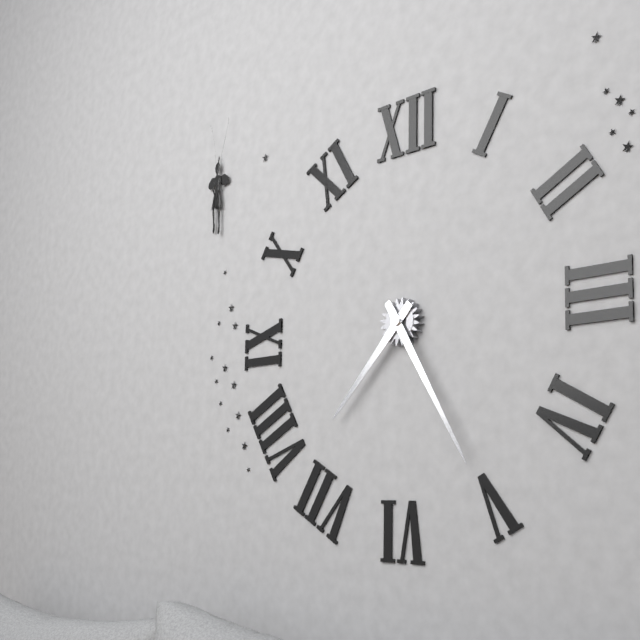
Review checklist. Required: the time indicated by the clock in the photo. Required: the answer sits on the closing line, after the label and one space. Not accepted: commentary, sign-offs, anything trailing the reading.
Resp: 7:25
